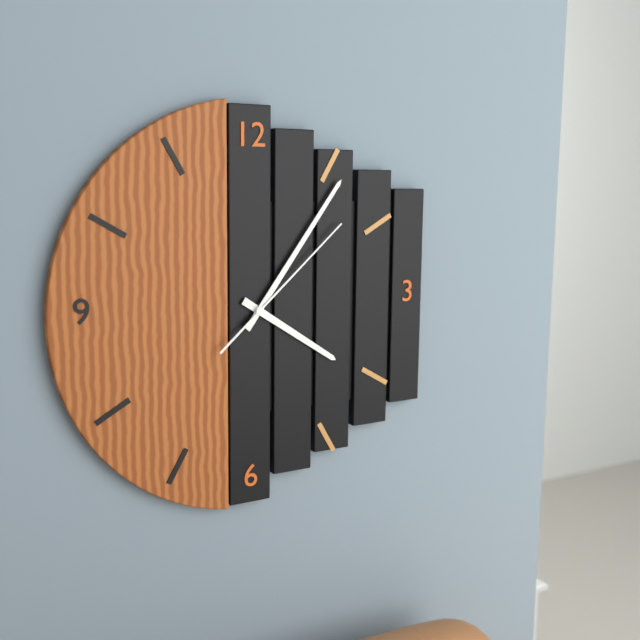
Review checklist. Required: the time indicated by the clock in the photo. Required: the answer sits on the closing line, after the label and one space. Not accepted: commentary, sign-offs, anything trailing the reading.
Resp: 4:06:08
